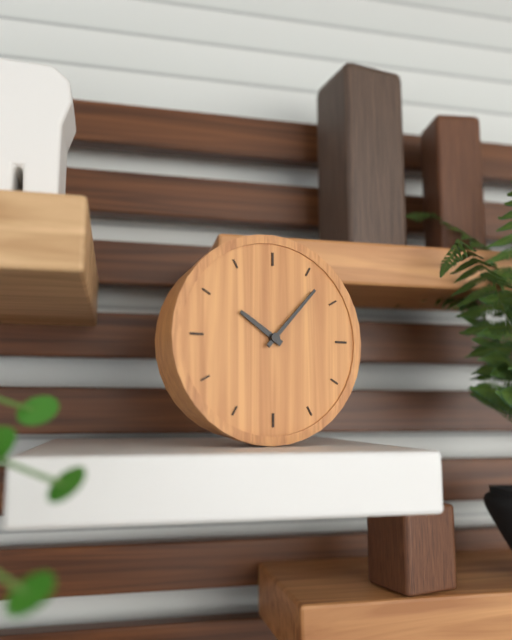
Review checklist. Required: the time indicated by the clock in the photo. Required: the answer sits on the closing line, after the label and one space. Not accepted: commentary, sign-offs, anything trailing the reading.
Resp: 10:07
